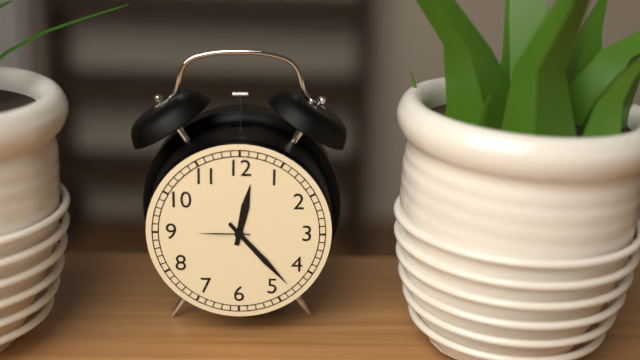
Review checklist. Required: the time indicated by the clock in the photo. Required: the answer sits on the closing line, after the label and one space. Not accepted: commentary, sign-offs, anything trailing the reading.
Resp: 12:23:45
